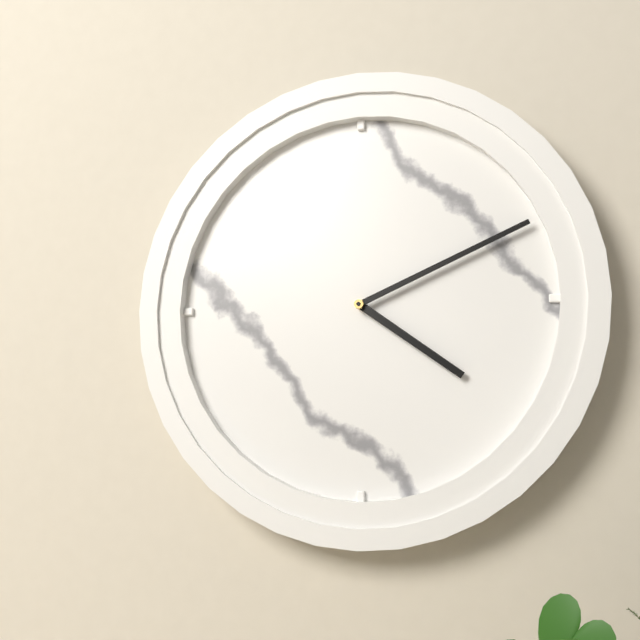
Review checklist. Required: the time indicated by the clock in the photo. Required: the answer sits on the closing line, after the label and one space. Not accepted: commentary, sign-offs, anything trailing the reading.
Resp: 4:11
